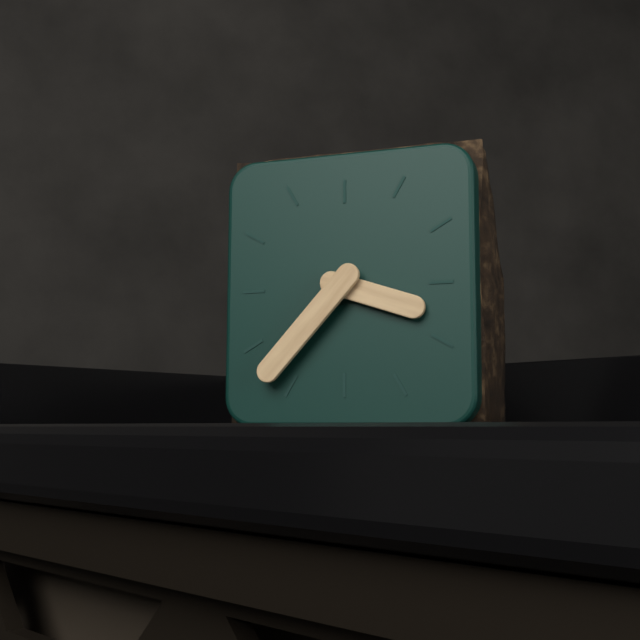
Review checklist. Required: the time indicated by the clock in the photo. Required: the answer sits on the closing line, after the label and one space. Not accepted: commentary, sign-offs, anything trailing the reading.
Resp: 3:37
